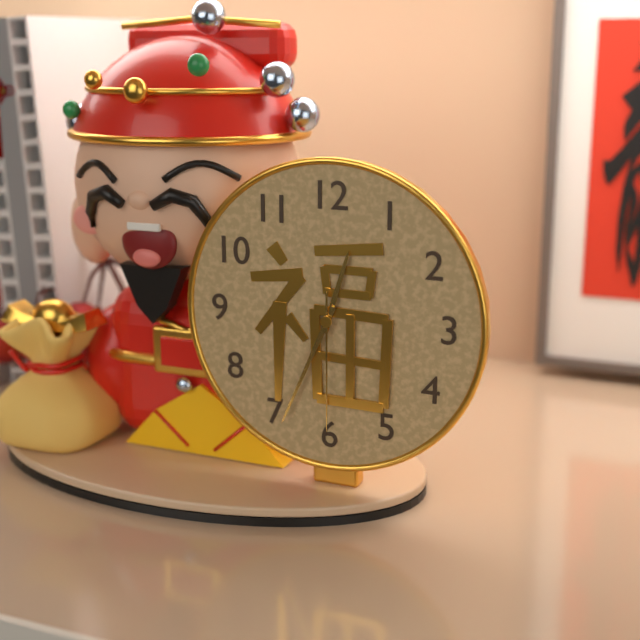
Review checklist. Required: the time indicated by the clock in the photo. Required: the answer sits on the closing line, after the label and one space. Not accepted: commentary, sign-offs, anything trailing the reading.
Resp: 12:34:30
